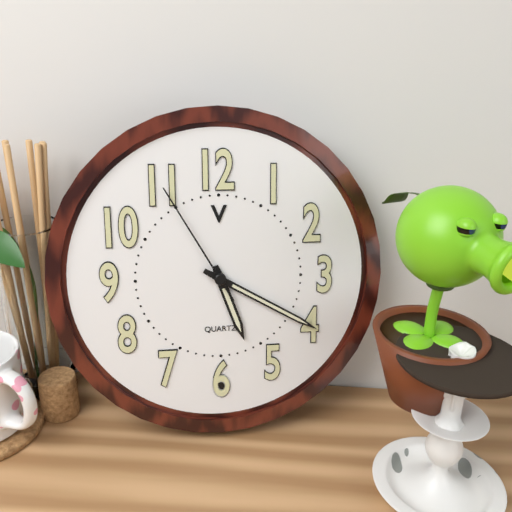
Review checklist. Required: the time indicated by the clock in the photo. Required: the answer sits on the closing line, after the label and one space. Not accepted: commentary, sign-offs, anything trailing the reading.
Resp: 5:20:55
